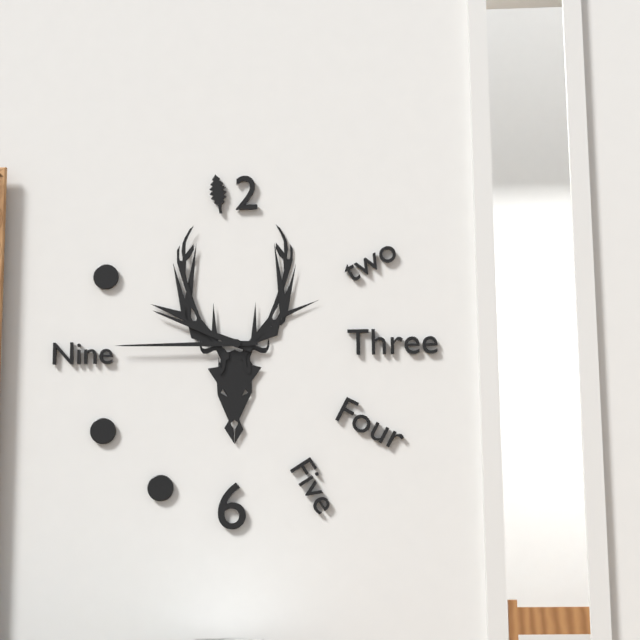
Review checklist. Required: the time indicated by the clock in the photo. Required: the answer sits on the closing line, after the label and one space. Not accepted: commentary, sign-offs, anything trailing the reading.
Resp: 9:45
